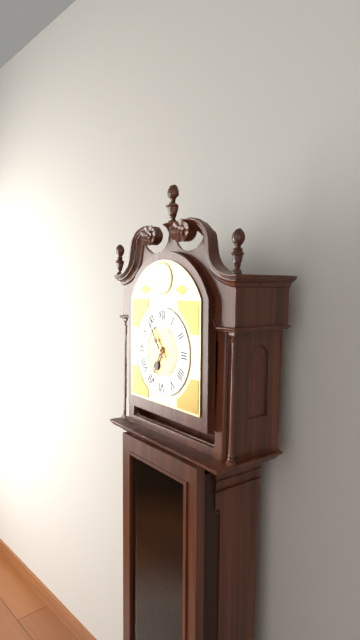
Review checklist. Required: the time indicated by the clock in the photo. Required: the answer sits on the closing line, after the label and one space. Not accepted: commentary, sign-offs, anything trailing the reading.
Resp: 6:54
